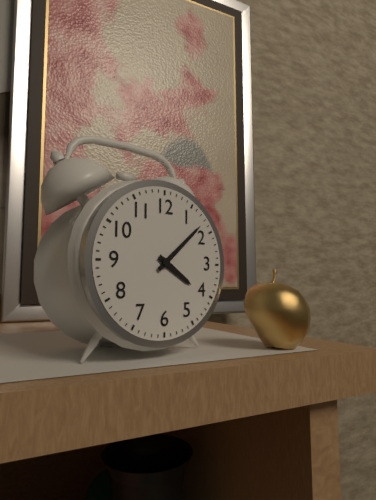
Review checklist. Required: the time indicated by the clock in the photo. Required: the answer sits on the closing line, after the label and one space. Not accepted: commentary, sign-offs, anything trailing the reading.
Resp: 4:08
